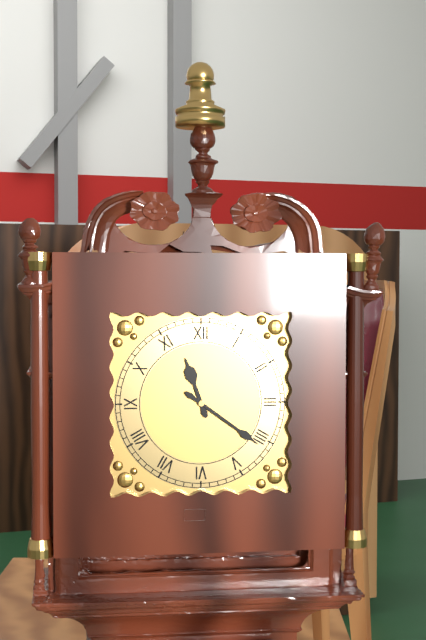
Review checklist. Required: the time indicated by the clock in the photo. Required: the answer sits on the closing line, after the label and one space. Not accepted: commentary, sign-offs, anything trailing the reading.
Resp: 11:21
